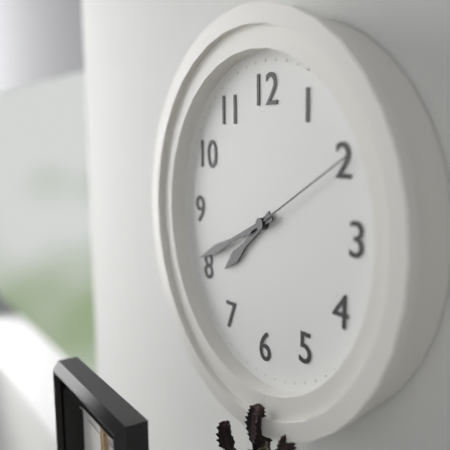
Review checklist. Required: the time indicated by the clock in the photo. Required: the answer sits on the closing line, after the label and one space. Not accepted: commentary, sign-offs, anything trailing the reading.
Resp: 7:41:10
